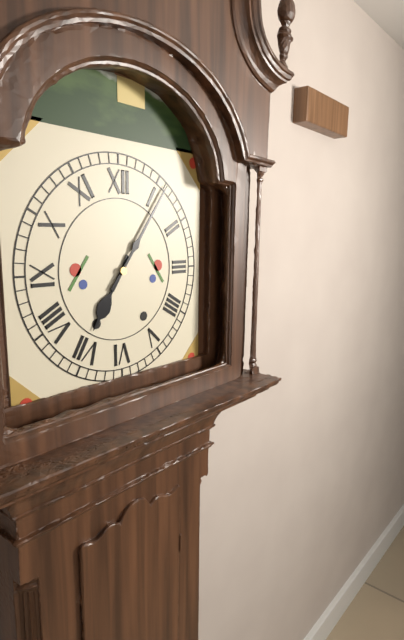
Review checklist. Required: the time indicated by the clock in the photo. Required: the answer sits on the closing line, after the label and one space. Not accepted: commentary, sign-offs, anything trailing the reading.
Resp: 7:06
